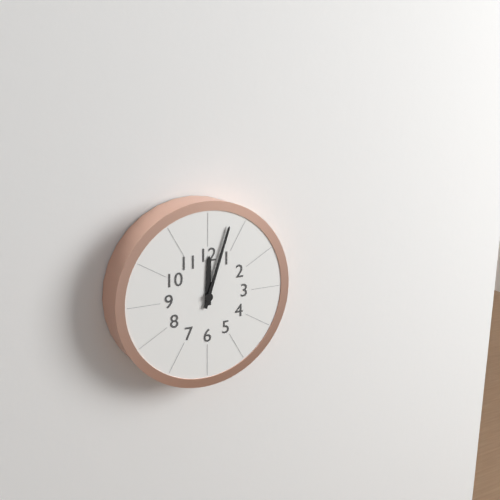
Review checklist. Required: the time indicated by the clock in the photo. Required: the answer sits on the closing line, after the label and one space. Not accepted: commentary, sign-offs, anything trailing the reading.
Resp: 12:03
